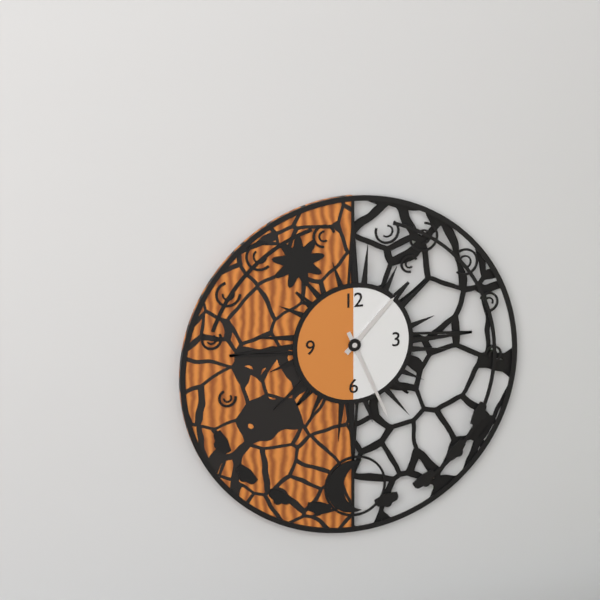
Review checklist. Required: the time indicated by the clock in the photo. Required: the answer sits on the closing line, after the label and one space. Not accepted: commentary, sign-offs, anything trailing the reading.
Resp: 1:26
